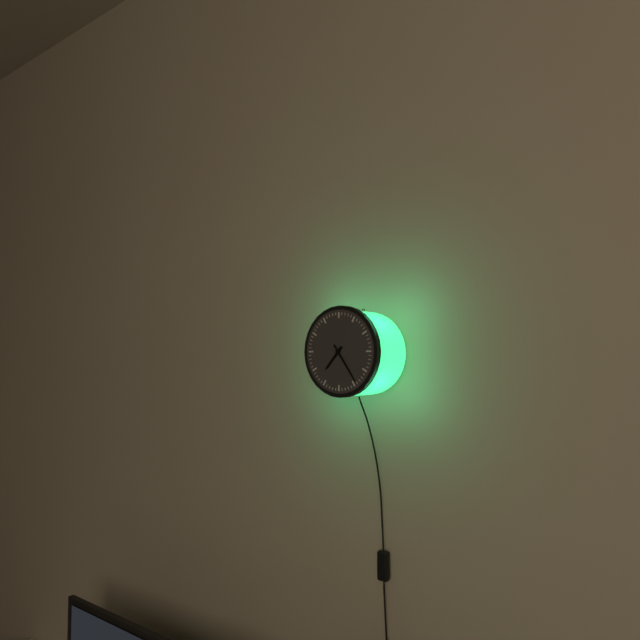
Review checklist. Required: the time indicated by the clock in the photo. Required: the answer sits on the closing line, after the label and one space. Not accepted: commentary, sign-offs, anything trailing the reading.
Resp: 7:24
